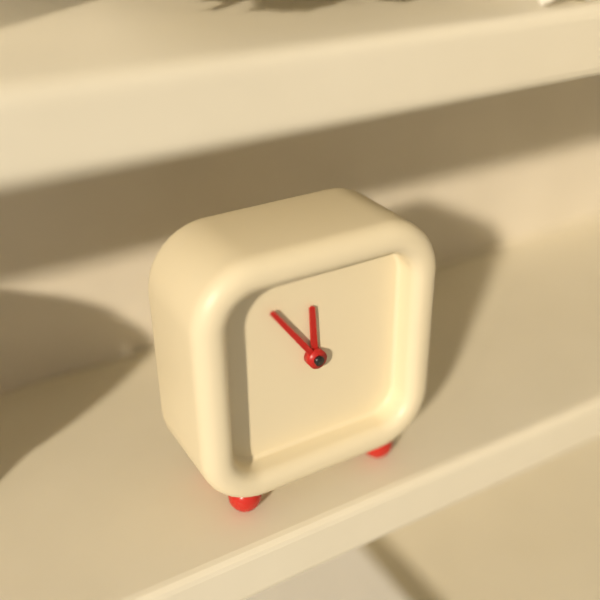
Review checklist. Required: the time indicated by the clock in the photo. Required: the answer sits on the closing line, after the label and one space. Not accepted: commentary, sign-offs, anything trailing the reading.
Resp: 11:54
